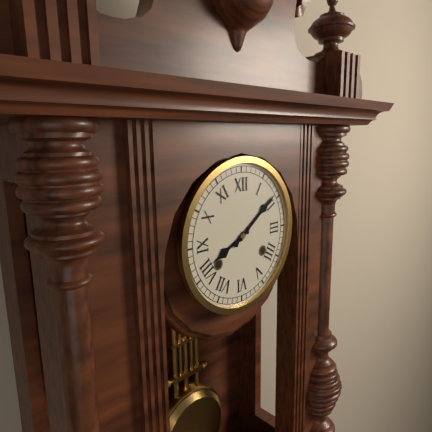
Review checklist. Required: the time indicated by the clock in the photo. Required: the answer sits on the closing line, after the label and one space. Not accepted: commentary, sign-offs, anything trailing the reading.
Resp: 8:09
